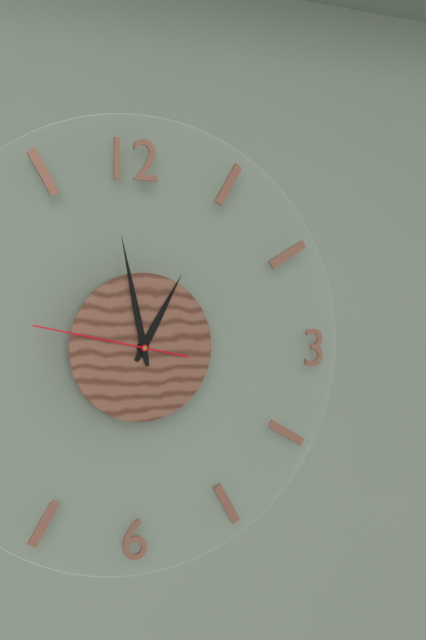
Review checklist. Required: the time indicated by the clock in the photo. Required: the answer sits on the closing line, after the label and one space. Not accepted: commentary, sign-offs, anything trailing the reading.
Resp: 12:58:47
